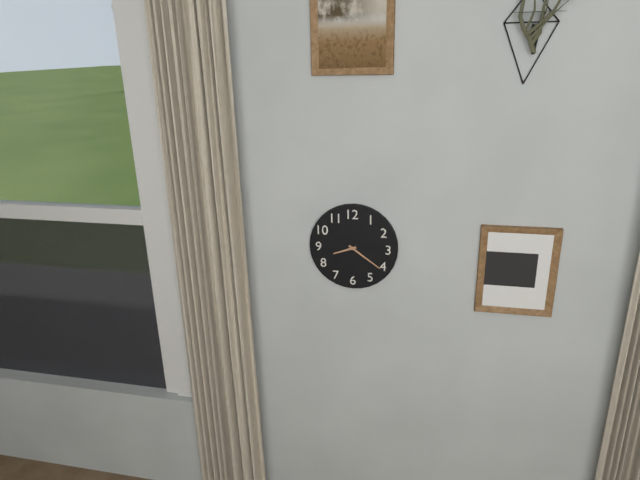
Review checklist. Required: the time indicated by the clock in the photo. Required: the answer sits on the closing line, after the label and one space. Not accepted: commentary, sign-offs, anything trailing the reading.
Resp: 8:21
